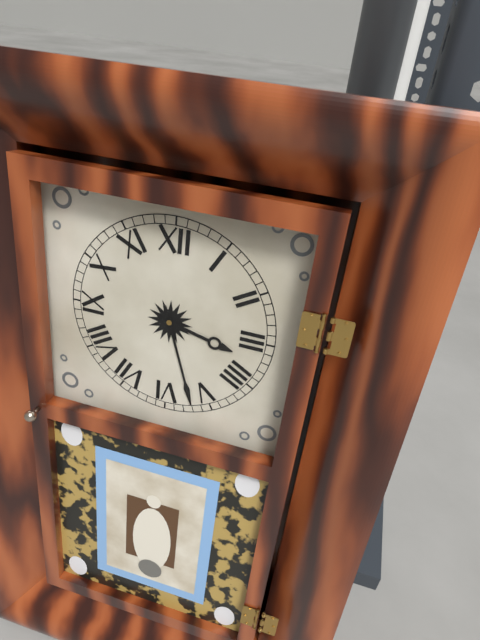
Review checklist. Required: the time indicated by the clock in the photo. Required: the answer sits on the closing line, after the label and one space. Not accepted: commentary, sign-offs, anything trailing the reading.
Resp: 3:27
